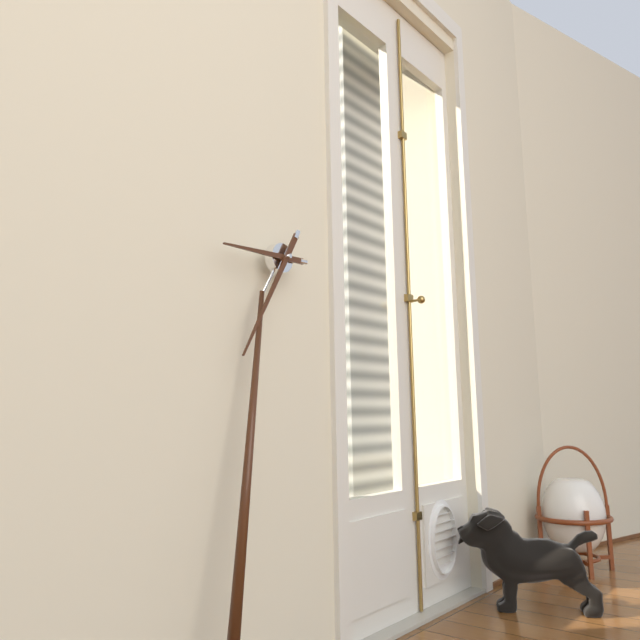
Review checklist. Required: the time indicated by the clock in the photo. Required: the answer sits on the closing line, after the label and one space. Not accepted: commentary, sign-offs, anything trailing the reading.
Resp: 8:33
